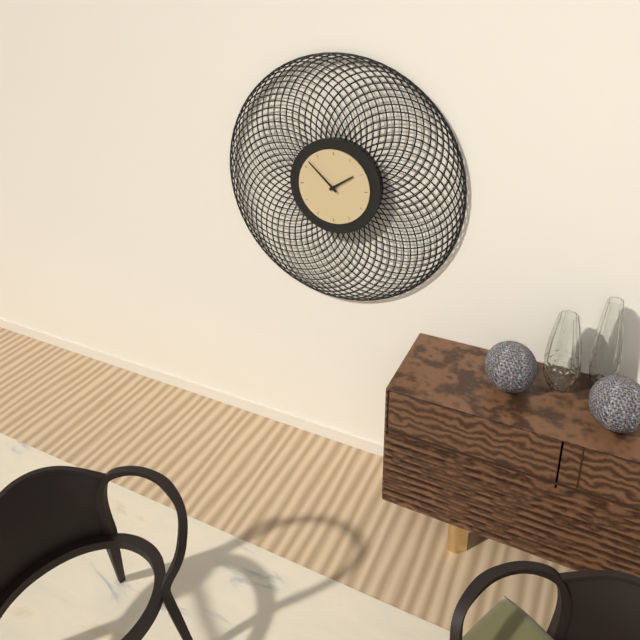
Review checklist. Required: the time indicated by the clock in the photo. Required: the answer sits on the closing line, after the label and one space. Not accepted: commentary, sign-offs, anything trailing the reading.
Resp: 1:52
